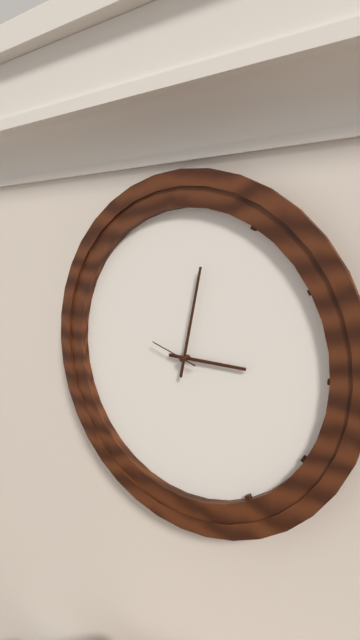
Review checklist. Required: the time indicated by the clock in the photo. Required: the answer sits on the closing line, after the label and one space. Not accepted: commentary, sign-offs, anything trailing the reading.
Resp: 3:02
